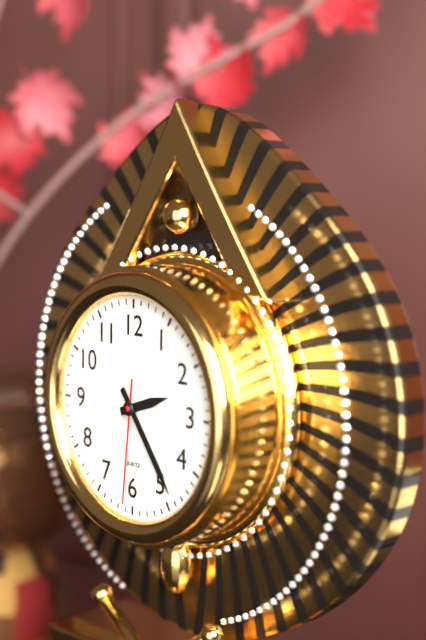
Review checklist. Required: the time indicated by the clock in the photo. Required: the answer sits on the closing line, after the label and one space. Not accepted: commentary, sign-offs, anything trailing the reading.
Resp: 2:24:31
